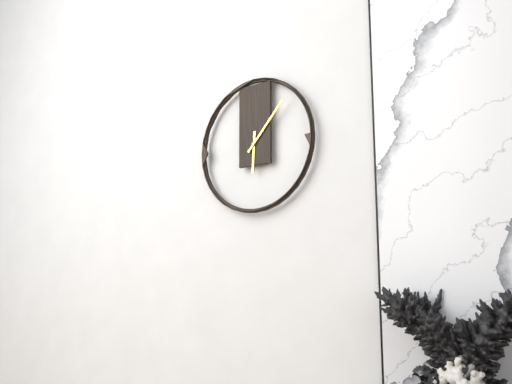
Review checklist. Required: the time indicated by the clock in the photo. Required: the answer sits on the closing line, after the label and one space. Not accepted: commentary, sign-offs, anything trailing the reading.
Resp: 6:07
